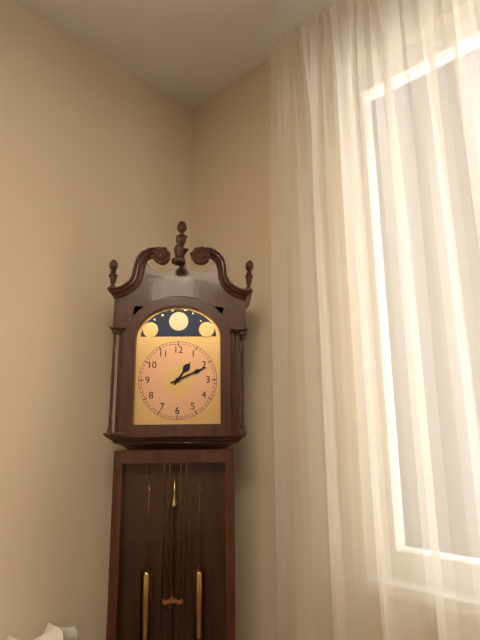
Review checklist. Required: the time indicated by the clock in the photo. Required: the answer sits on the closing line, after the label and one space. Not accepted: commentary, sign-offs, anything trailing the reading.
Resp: 1:11
